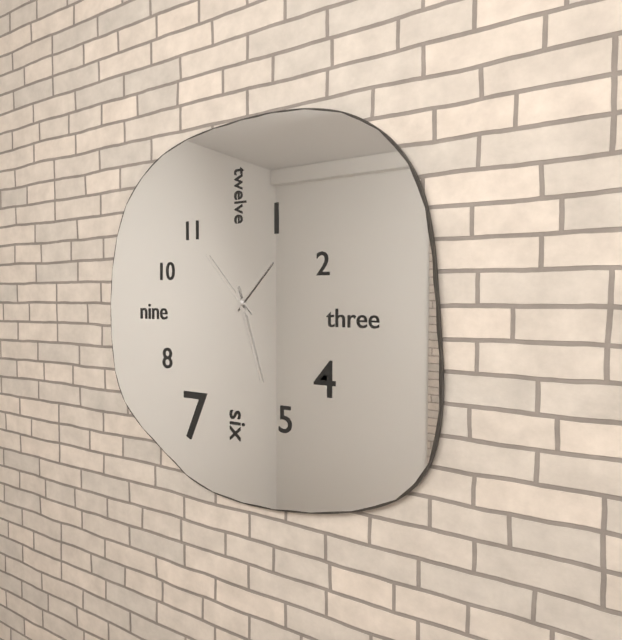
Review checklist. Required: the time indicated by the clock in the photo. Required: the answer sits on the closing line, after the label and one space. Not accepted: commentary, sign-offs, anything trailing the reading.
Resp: 1:27:53
